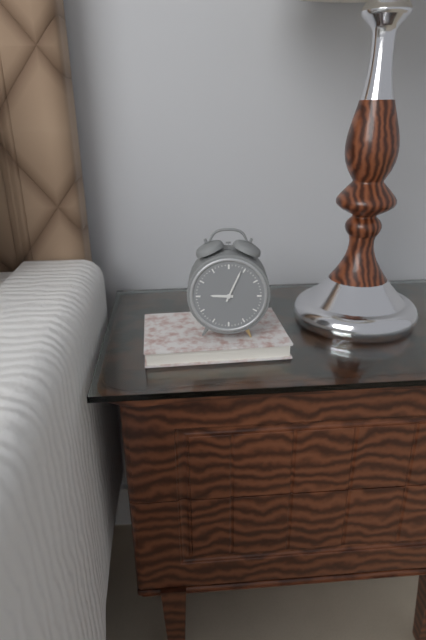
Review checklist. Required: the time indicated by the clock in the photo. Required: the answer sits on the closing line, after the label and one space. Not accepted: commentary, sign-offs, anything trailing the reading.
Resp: 9:04
